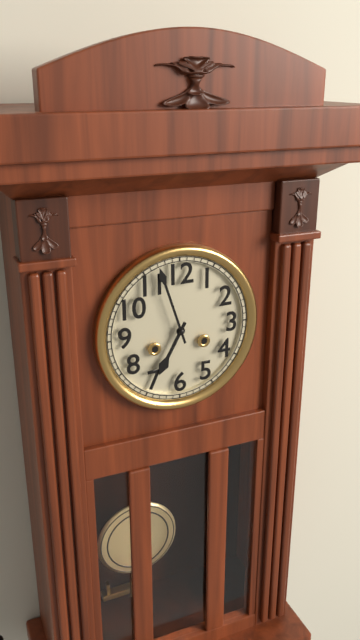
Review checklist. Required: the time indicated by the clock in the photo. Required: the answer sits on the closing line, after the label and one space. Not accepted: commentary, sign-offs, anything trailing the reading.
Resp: 6:57
